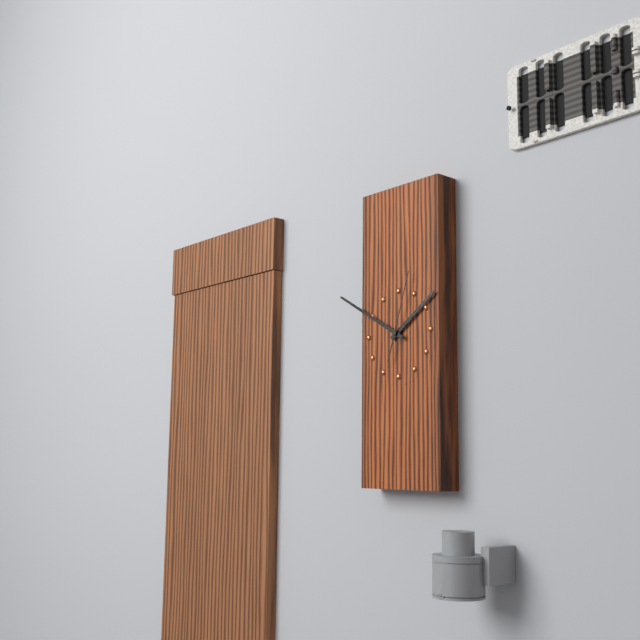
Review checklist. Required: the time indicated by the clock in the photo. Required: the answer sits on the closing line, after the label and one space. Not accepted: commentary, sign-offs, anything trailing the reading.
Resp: 1:50:03
